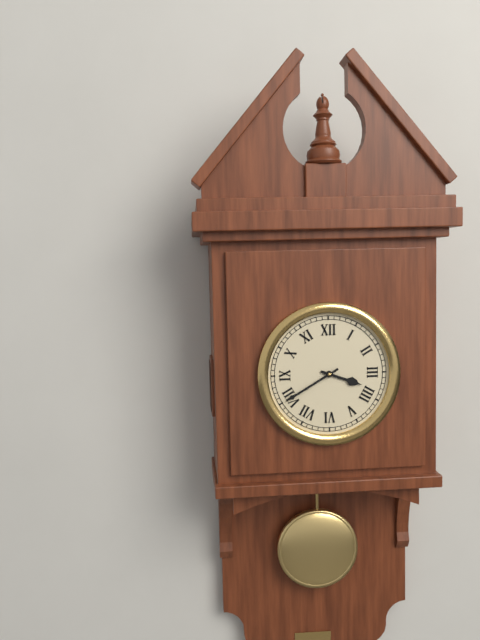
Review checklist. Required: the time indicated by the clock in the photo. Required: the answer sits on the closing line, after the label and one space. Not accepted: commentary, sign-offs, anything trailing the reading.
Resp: 3:40
